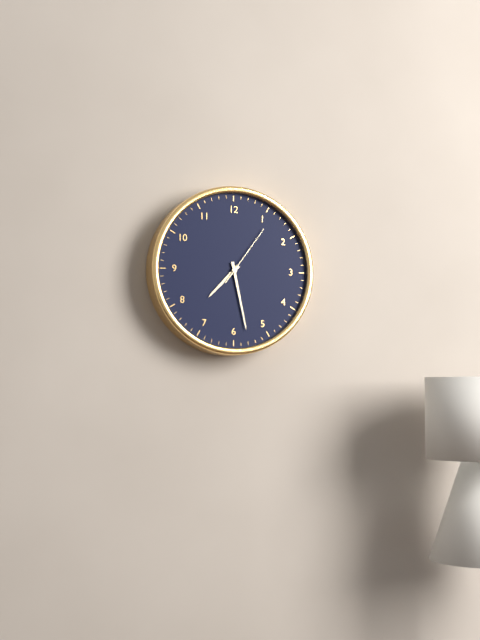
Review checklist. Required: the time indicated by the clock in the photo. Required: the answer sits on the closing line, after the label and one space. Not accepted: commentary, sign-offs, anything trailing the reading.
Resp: 7:28:06
